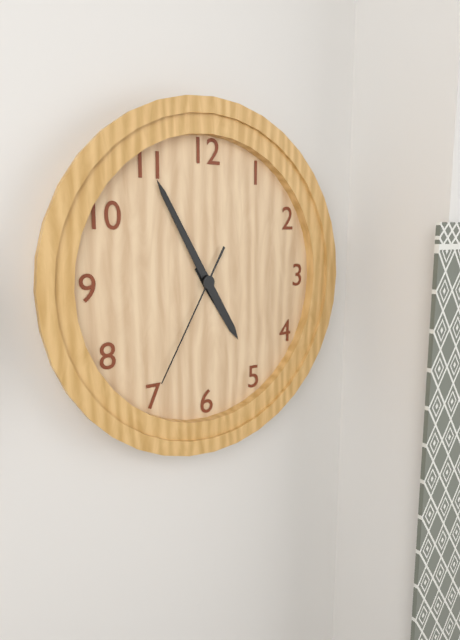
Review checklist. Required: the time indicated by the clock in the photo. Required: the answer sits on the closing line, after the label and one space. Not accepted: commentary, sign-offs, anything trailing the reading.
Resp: 4:55:35
